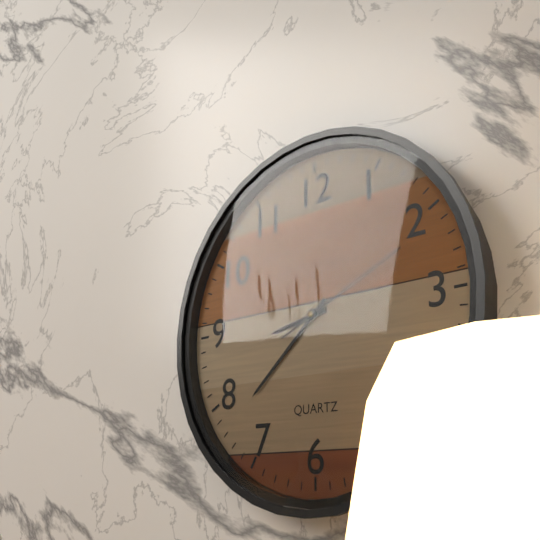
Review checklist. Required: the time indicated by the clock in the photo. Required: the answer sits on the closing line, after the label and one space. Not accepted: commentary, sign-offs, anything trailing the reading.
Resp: 8:38:11
